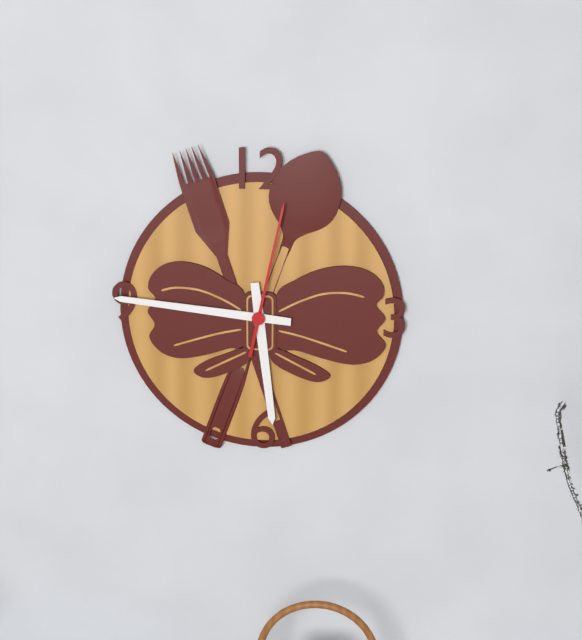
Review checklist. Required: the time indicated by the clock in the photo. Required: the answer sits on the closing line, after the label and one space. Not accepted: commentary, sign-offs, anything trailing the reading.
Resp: 5:46:02
